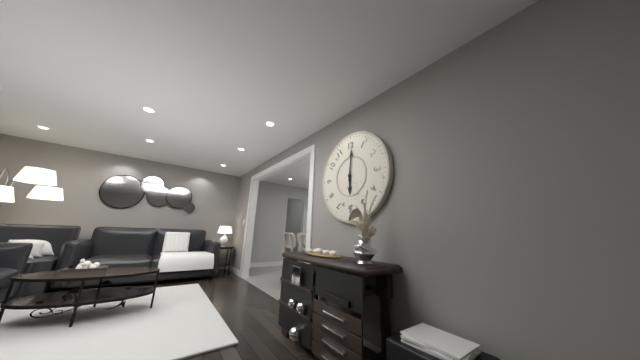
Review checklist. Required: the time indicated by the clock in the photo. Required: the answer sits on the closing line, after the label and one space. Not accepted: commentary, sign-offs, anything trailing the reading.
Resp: 6:01
